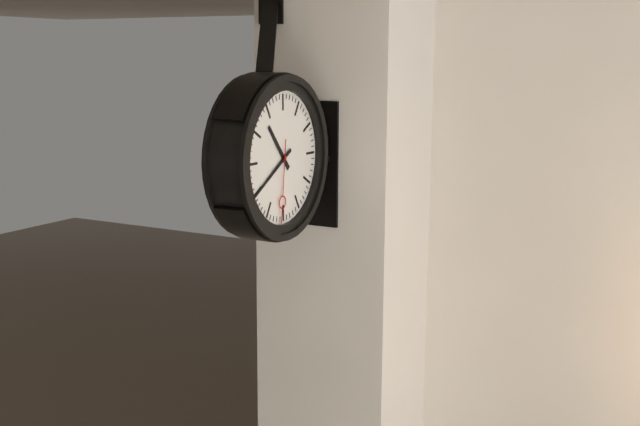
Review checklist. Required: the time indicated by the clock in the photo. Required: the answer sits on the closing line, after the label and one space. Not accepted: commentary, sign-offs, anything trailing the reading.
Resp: 10:40:31
